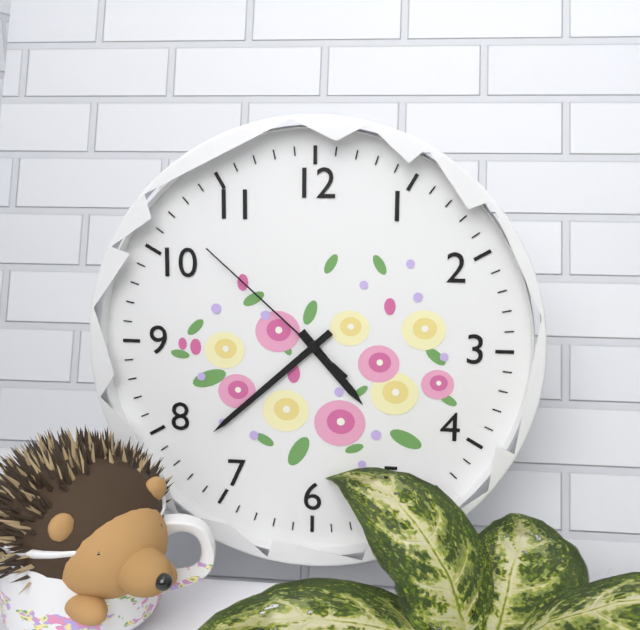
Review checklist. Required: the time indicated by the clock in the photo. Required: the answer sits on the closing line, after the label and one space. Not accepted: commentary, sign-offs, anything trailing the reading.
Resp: 4:38:52
